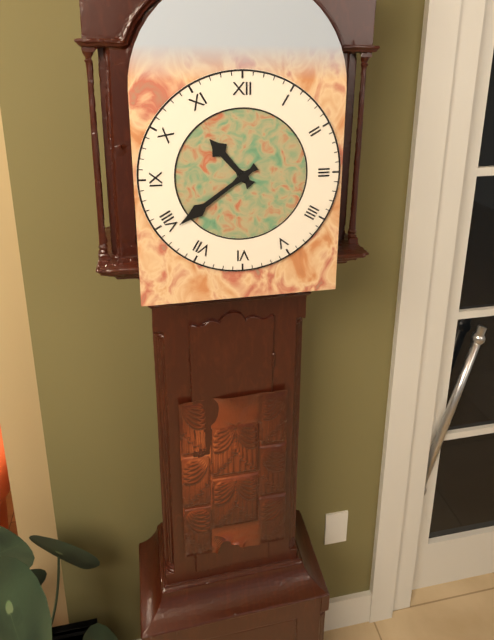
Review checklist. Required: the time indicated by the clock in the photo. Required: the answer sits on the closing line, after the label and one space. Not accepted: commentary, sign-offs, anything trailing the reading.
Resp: 10:39
